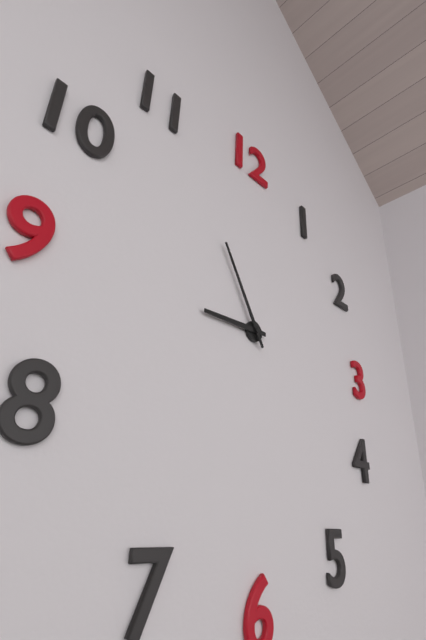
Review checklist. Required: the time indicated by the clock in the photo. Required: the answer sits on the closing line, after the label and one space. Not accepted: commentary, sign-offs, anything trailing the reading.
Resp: 8:55
